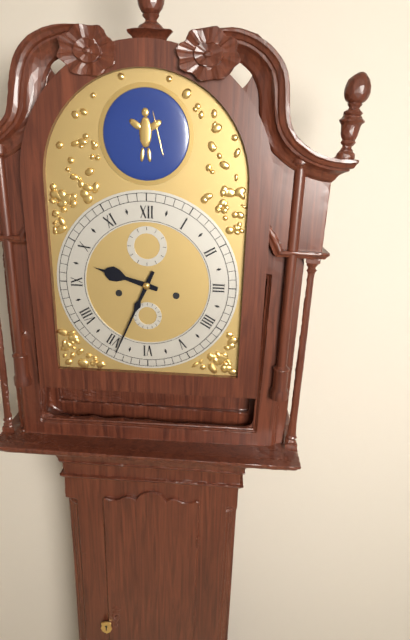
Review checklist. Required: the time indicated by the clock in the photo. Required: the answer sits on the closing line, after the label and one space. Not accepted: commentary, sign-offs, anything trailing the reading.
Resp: 9:34
